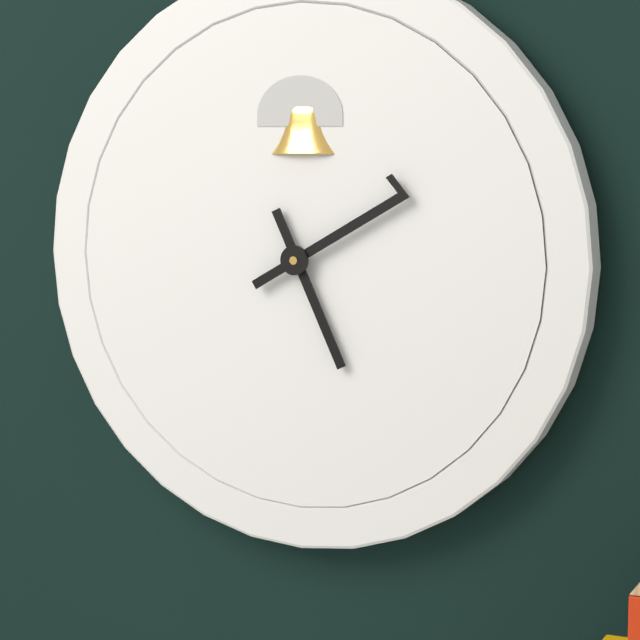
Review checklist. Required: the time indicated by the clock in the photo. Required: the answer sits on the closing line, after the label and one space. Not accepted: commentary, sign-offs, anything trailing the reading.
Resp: 5:10
